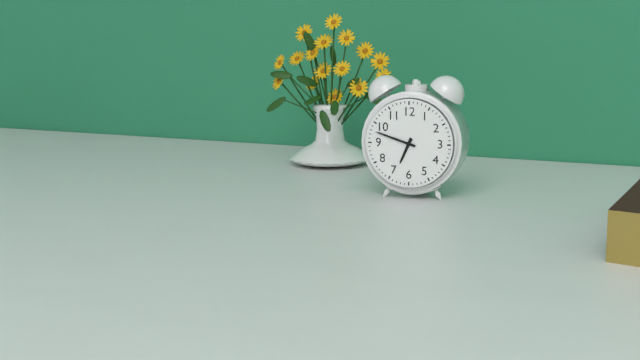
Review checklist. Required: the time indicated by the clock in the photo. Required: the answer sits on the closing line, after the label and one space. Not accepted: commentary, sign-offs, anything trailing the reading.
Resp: 6:48
